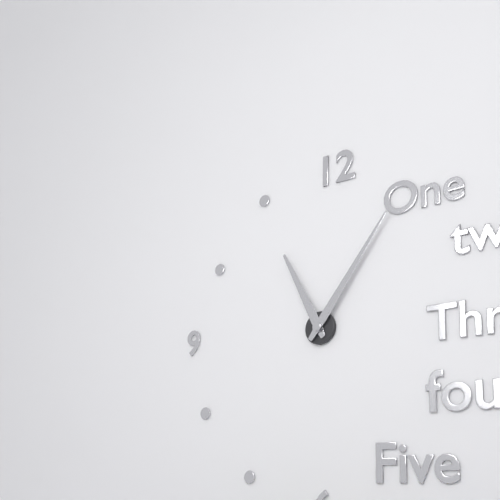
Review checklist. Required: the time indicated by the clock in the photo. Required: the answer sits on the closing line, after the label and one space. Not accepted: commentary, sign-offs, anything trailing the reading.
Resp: 11:06
